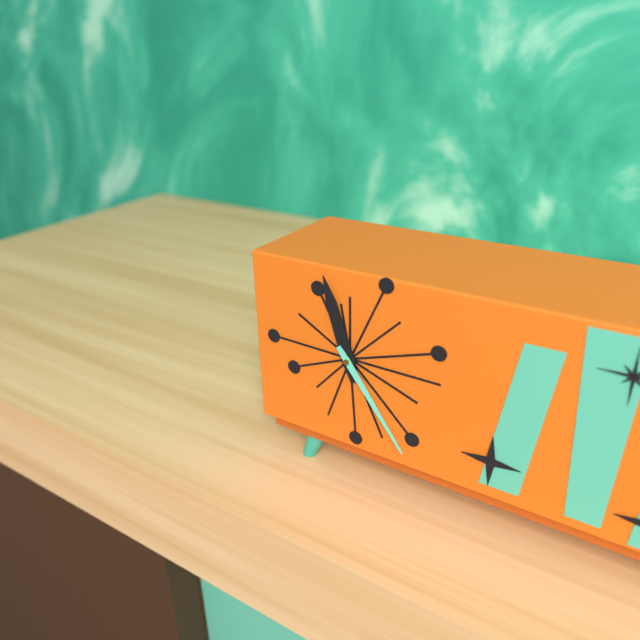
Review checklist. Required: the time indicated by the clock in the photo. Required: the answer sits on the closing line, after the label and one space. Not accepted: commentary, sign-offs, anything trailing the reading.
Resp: 11:24
